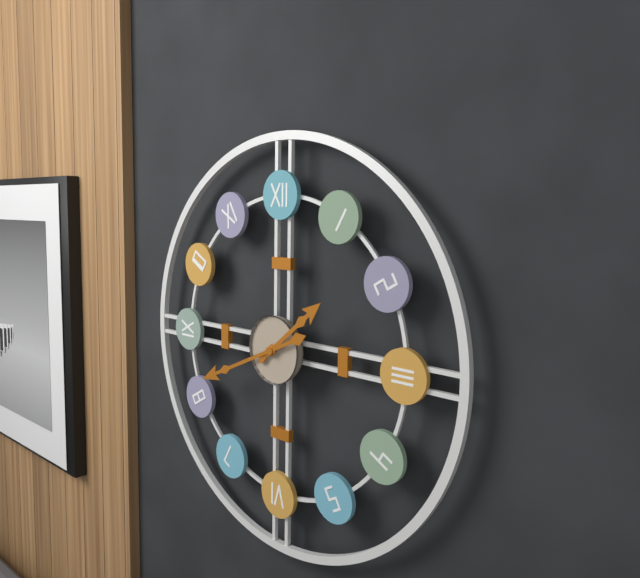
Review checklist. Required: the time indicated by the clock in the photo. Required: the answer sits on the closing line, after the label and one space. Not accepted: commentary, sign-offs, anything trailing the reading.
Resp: 1:41
